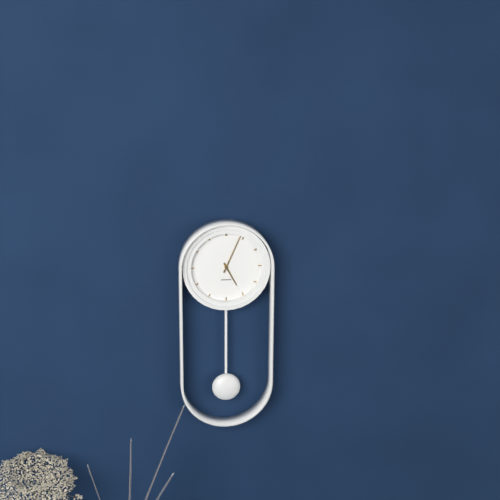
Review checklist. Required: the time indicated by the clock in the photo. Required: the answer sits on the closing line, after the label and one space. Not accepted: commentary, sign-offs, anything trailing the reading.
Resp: 5:04
